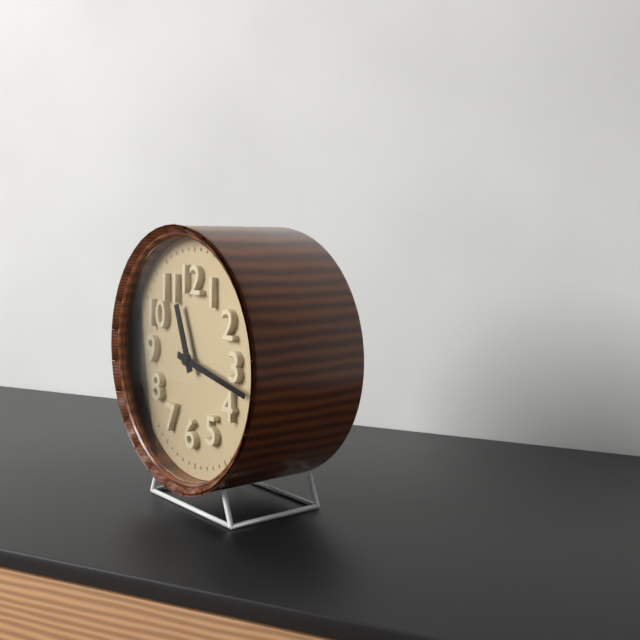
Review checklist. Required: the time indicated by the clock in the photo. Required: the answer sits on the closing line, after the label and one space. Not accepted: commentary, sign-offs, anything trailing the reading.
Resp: 11:17
